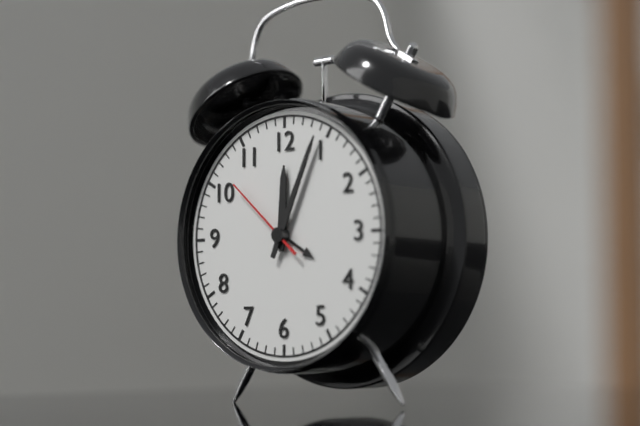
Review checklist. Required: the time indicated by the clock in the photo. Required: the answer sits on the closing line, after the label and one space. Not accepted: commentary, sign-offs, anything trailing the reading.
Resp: 12:04:52
